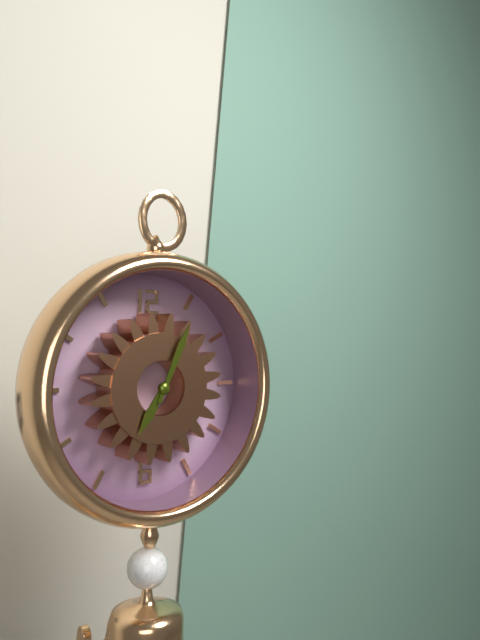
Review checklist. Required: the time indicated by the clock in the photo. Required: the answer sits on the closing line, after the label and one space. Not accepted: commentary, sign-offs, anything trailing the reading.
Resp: 7:04
